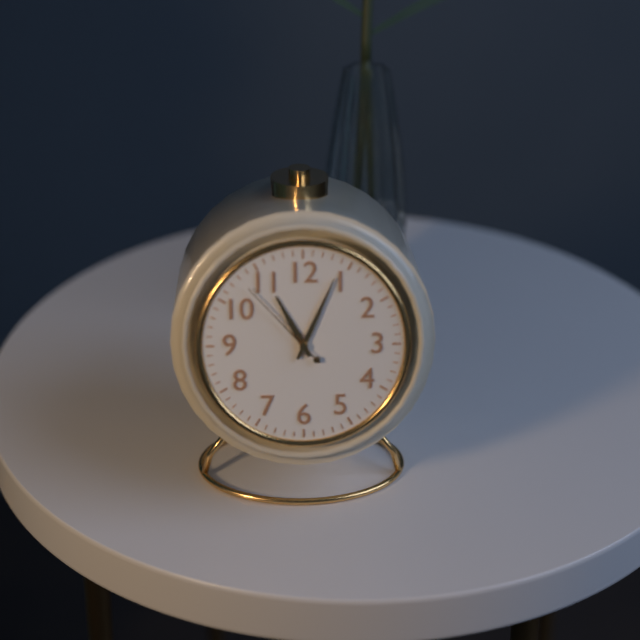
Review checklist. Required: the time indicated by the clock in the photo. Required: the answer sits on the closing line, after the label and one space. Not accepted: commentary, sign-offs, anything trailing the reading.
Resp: 11:04:53
